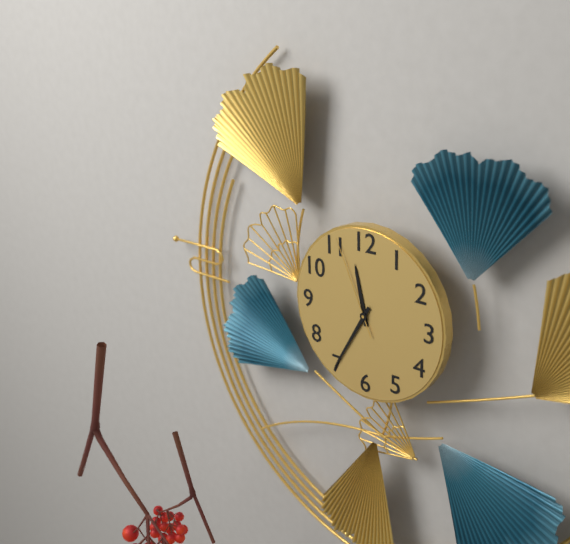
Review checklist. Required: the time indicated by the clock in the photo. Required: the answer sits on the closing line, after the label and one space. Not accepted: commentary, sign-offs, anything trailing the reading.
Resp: 11:35:56
